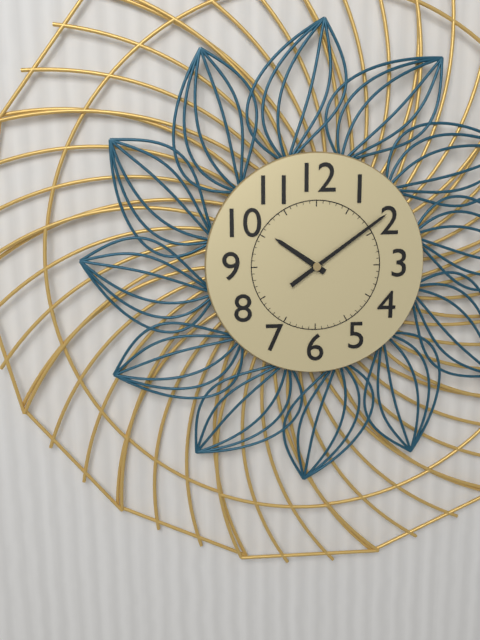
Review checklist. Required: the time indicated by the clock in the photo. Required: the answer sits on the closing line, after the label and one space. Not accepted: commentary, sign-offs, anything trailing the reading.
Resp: 10:09
